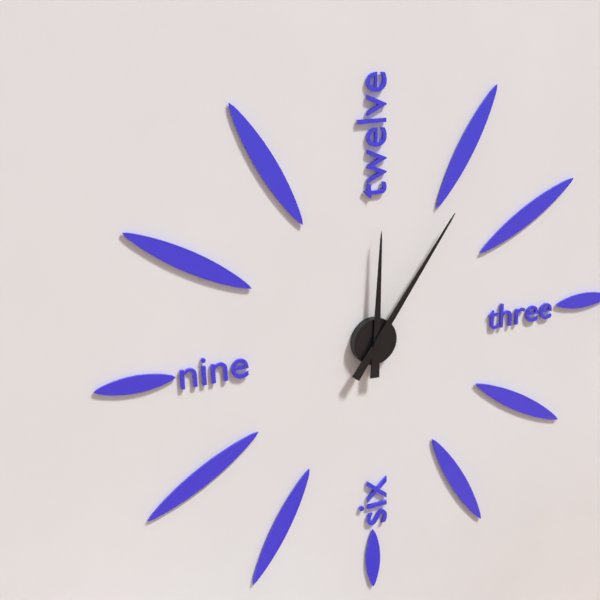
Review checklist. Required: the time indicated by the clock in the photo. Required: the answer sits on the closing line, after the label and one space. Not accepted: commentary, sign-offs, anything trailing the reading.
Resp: 12:06
